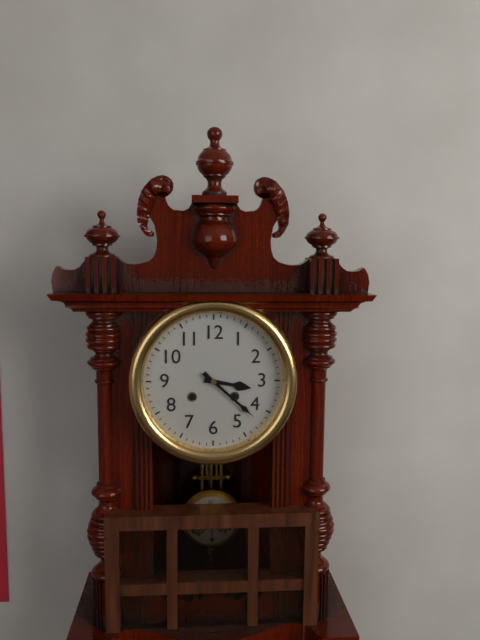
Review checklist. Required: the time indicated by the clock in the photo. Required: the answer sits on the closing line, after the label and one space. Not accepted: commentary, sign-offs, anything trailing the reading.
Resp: 3:22
